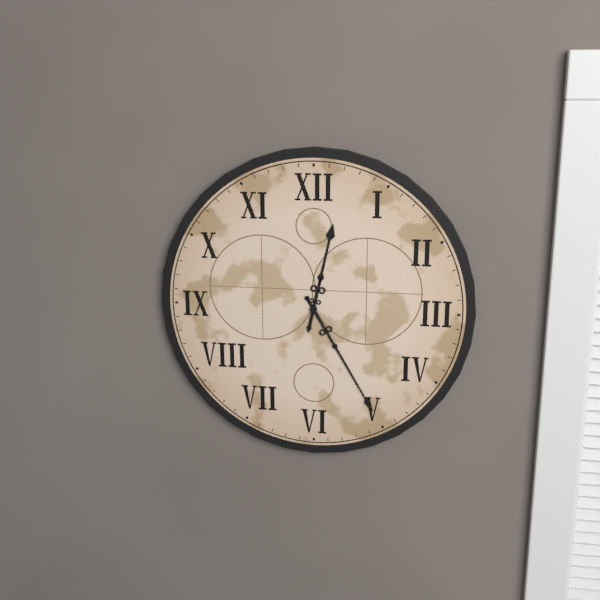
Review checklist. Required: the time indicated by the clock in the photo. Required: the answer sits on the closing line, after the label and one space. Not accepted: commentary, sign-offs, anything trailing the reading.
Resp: 12:25
